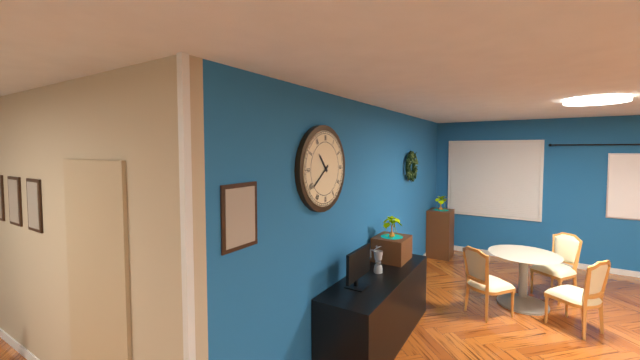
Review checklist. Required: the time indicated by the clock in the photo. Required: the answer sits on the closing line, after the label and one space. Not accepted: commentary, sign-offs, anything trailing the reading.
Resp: 10:39
